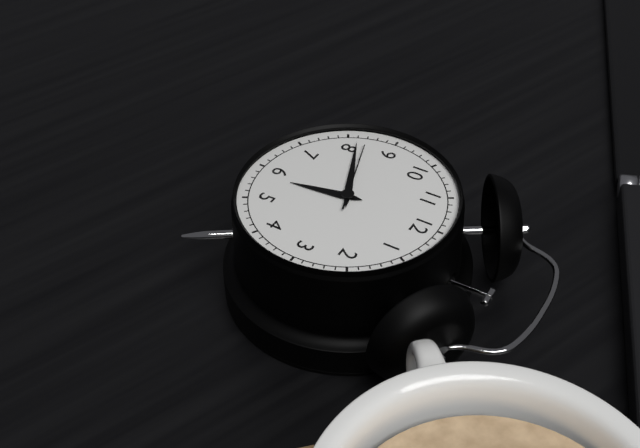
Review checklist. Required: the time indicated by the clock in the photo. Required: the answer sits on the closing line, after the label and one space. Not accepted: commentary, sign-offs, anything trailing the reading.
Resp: 5:41:42
